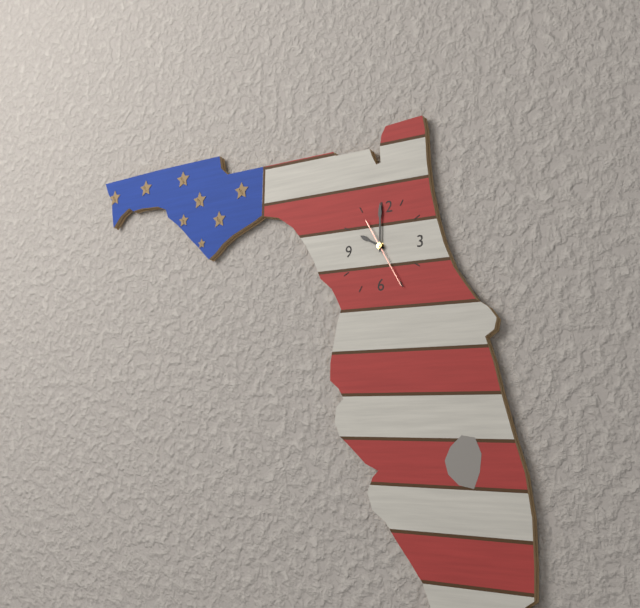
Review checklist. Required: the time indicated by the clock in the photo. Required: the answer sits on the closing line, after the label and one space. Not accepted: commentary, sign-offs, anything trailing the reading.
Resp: 10:00:25
